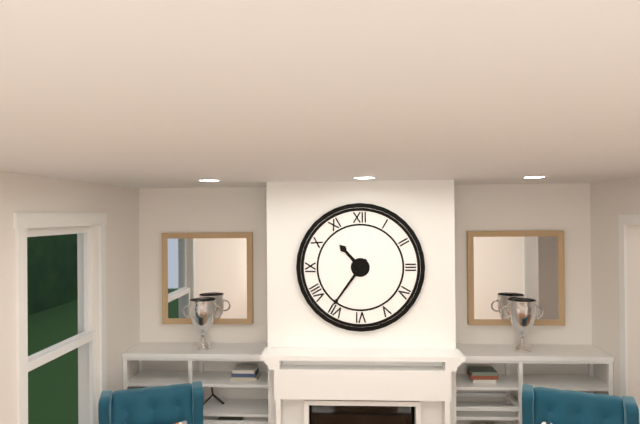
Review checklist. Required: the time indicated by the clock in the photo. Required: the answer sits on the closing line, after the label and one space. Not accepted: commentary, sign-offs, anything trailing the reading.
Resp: 10:36
